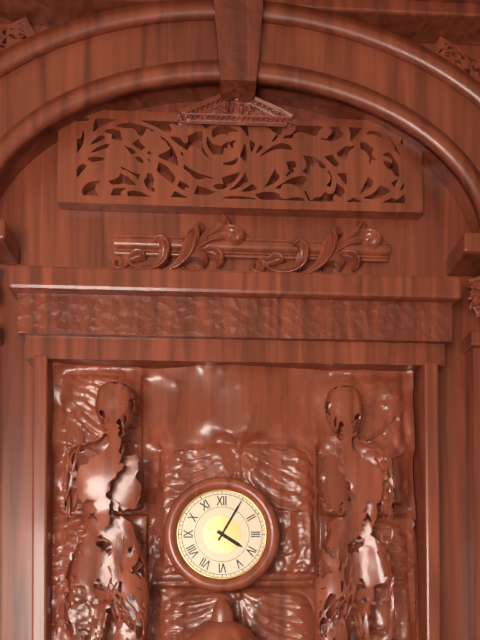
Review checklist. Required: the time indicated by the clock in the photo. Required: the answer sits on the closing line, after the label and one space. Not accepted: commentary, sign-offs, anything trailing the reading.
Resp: 4:05
